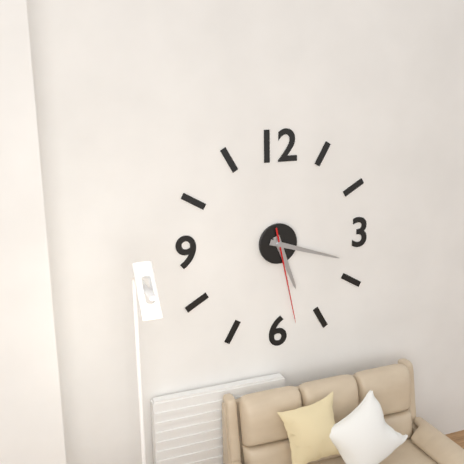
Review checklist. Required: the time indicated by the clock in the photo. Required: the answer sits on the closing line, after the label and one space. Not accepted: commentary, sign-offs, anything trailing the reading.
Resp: 5:18:28
